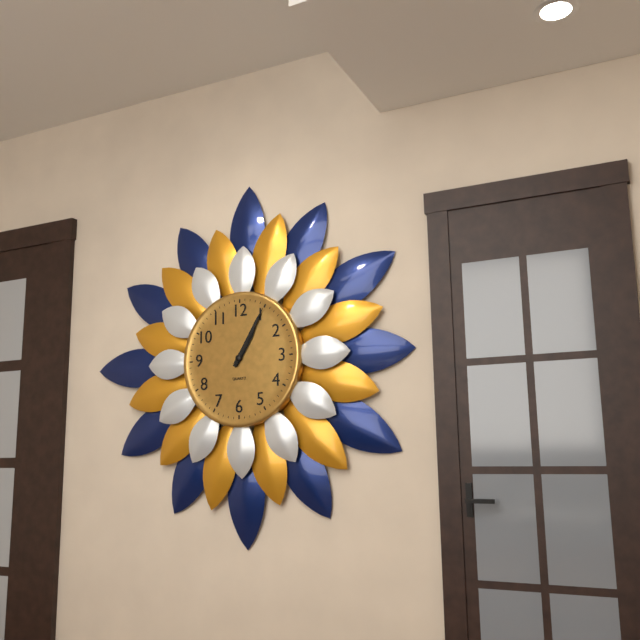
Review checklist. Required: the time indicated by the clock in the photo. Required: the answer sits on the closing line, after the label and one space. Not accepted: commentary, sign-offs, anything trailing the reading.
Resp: 1:05
